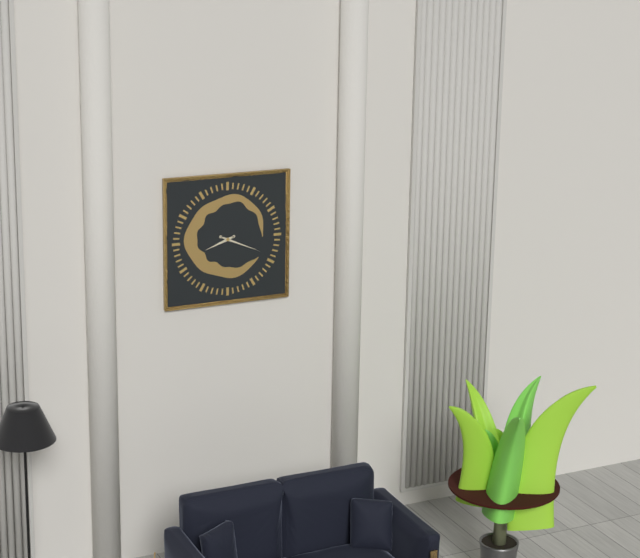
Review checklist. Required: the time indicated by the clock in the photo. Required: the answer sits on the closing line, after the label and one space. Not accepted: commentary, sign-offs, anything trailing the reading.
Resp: 8:19
